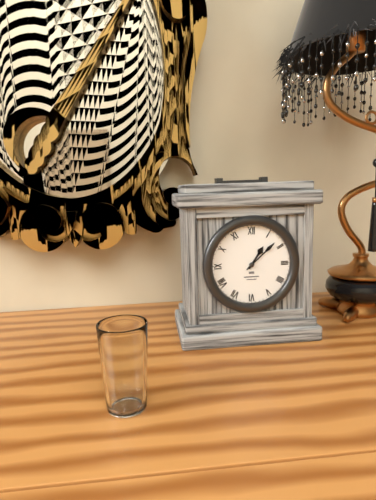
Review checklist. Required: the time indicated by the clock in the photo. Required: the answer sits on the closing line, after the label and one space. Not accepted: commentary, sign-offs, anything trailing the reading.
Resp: 1:08
